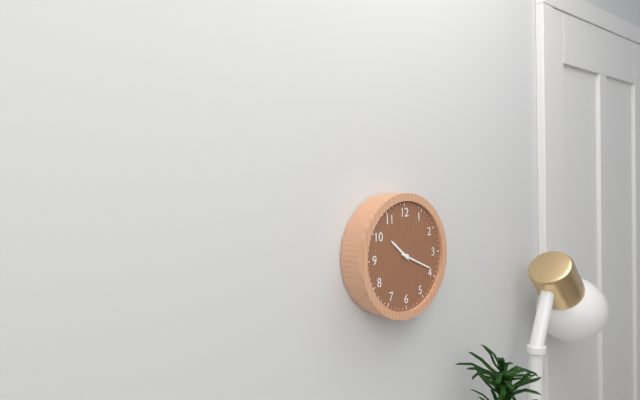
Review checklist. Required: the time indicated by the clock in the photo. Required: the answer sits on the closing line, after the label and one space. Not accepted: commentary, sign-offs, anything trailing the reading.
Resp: 10:19
